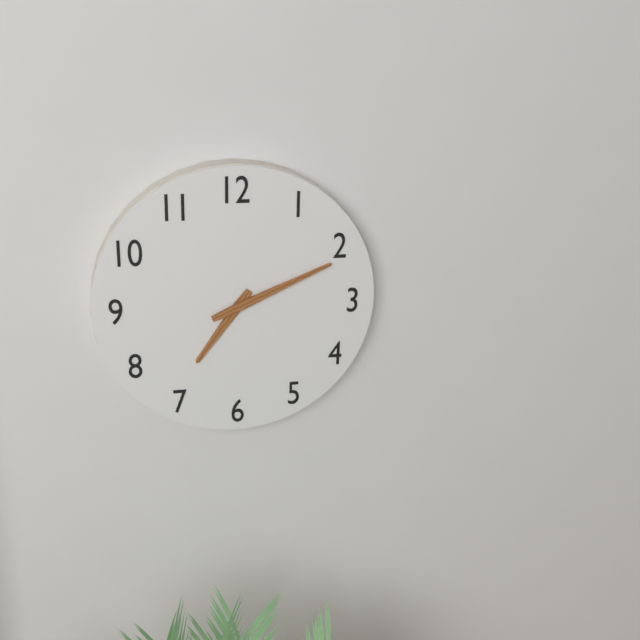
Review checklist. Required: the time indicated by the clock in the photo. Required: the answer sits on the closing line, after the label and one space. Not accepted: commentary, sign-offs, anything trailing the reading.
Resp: 7:11
